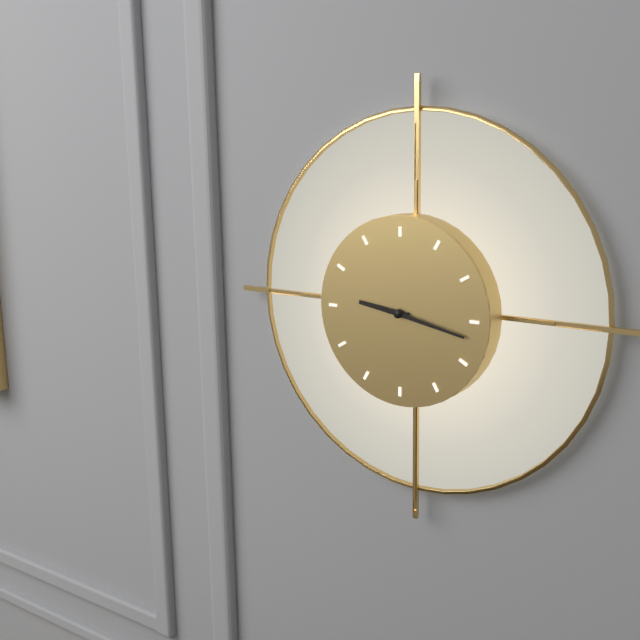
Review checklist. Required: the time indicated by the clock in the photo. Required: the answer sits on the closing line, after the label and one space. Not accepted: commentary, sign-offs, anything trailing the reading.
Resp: 9:17
